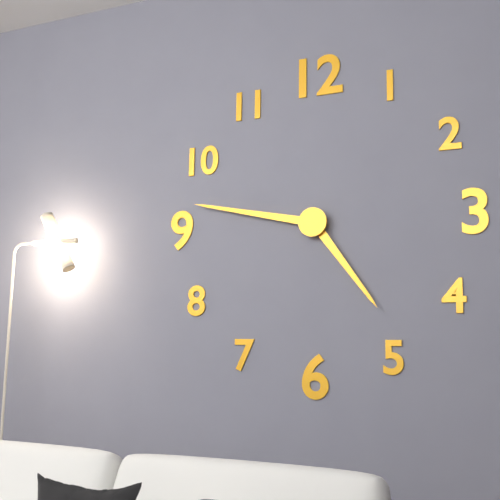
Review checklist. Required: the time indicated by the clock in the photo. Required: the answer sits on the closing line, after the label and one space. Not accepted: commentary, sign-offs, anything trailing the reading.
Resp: 4:47
